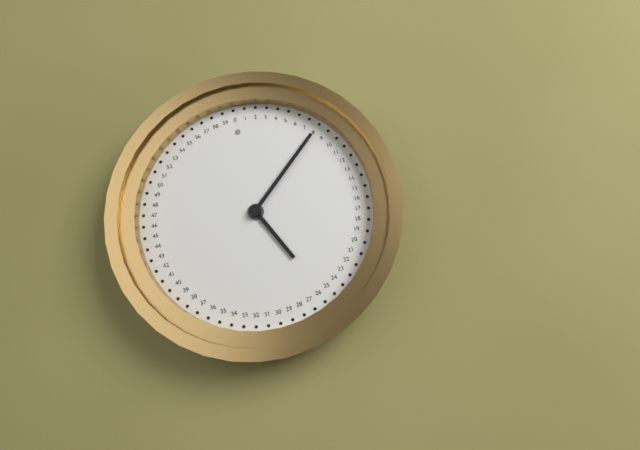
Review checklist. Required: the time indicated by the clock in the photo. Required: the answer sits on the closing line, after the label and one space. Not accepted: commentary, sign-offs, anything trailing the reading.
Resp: 5:08
